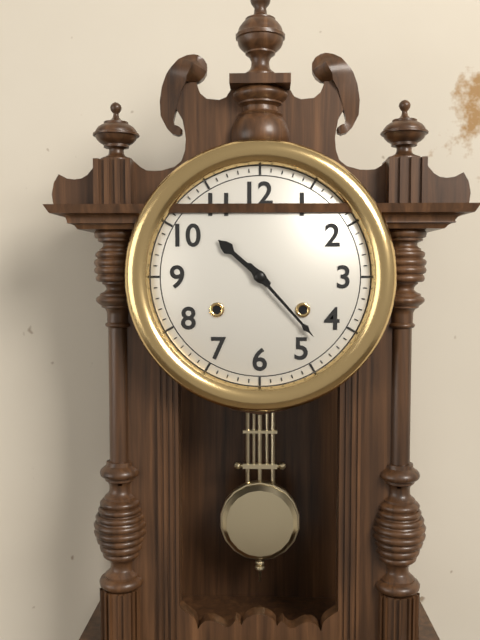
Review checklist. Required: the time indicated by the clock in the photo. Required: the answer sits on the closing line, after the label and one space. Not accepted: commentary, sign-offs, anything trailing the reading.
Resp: 10:23
